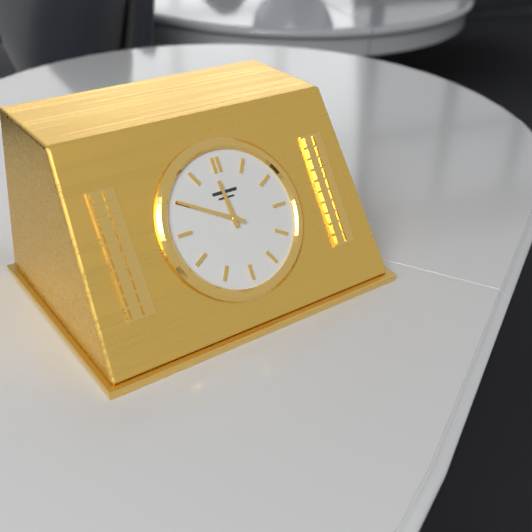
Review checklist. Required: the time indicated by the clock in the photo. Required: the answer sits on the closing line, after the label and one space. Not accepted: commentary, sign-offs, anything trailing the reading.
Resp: 11:50
